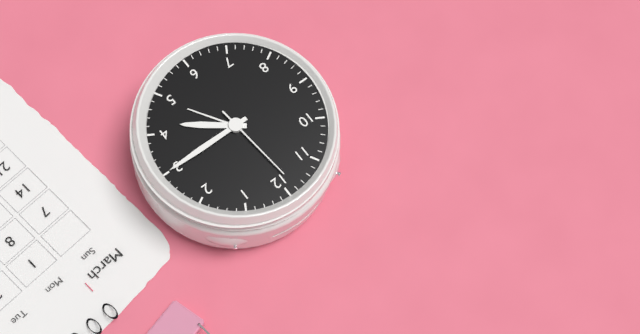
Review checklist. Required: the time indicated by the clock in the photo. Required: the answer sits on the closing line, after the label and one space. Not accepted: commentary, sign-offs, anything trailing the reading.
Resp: 4:15:59
